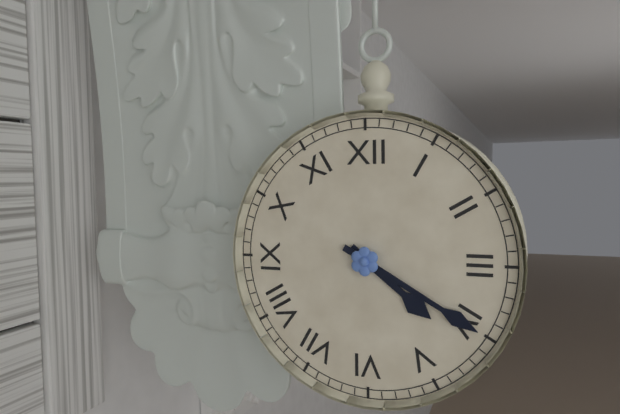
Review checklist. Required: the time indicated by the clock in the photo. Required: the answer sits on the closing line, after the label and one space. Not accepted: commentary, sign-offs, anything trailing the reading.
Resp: 4:20
